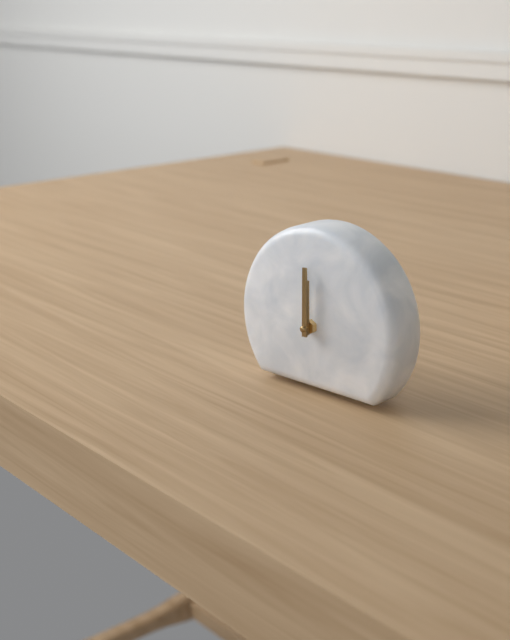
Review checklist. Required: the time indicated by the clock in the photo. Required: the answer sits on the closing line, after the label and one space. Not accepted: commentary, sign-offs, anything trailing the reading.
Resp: 12:00
